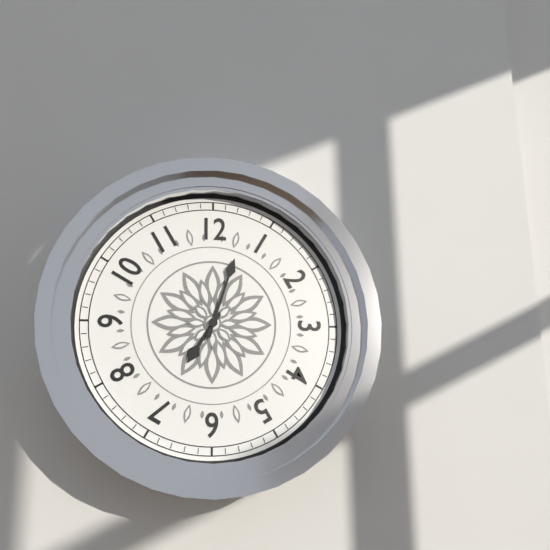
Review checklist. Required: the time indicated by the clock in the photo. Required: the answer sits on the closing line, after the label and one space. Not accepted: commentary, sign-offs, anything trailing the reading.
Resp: 7:03
